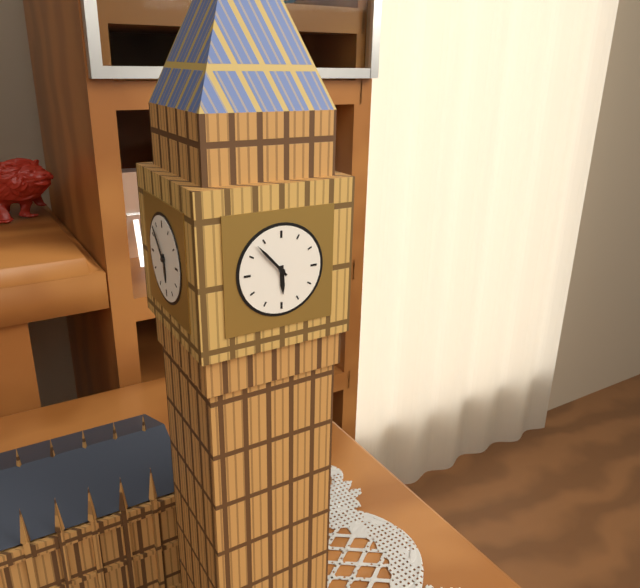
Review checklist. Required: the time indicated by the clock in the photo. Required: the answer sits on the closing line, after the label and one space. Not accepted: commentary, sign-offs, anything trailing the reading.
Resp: 5:53
